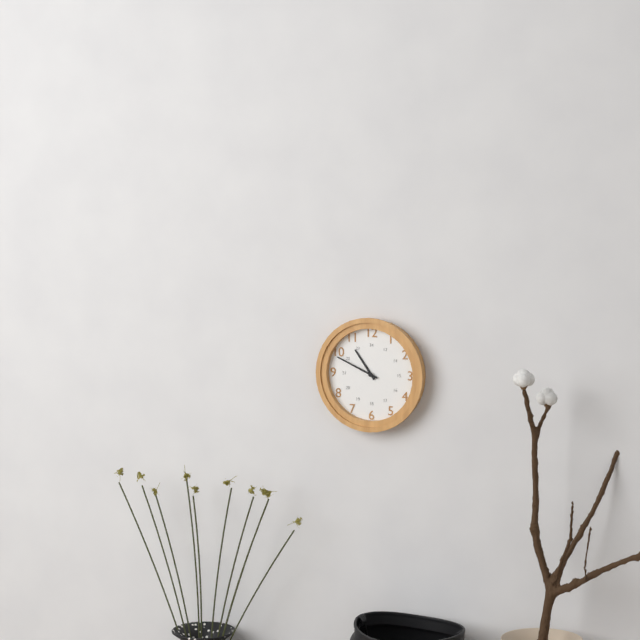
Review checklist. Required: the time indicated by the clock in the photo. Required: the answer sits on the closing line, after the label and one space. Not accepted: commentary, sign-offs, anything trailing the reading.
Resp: 10:49
